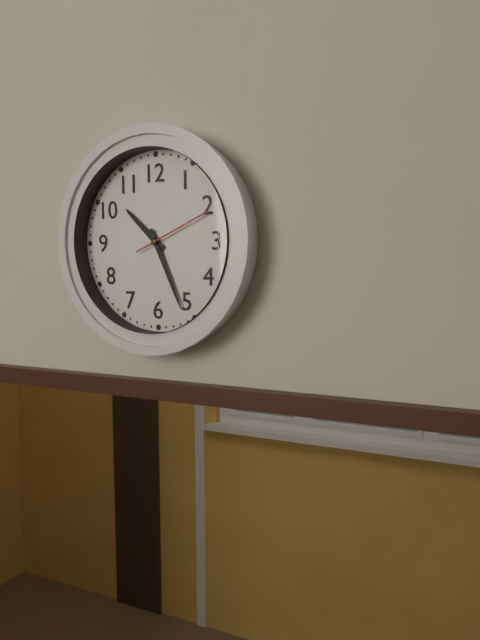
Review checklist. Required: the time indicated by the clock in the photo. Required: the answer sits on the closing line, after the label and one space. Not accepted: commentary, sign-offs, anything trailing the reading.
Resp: 10:26:11
